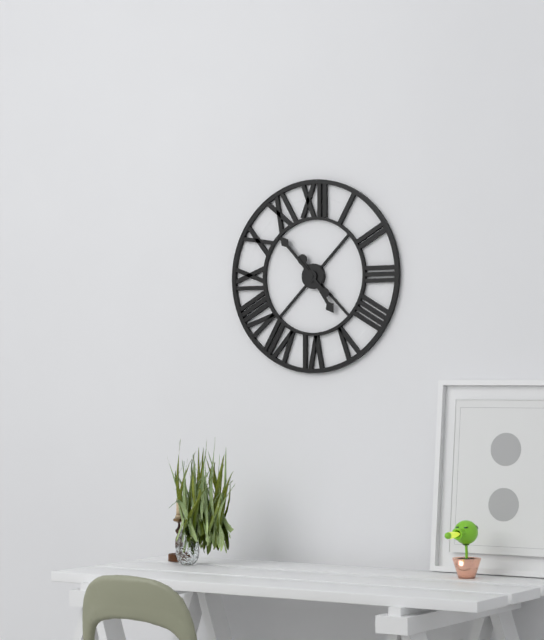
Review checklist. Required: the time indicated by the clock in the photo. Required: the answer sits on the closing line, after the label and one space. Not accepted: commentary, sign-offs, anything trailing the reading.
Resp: 4:53
